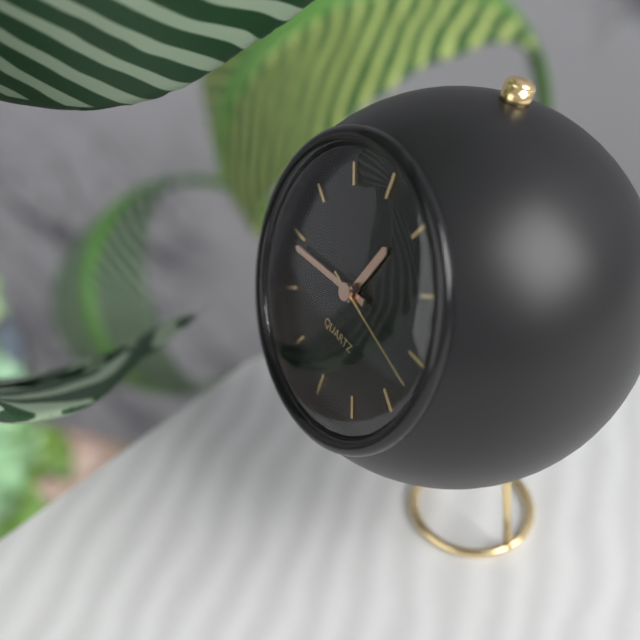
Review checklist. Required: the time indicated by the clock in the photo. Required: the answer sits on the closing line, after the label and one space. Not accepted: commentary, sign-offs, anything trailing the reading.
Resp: 12:44:17
